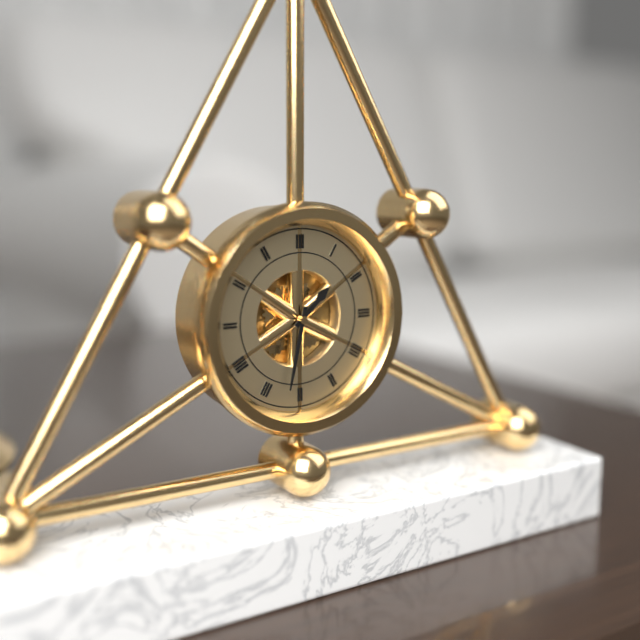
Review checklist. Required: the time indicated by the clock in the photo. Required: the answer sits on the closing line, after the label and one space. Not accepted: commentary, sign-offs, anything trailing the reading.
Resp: 1:32
